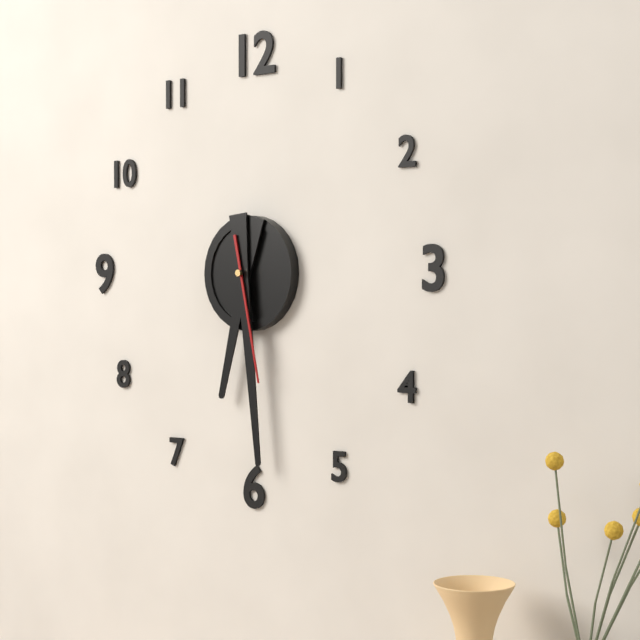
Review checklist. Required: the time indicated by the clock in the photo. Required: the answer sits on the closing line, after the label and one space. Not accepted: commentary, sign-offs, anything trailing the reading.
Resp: 6:29:28
